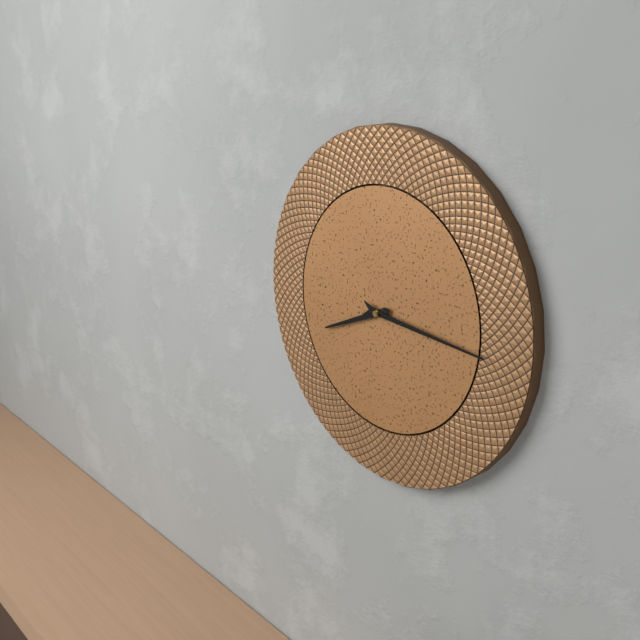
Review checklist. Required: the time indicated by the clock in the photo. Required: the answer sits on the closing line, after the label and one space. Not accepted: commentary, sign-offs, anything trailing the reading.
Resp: 8:16
